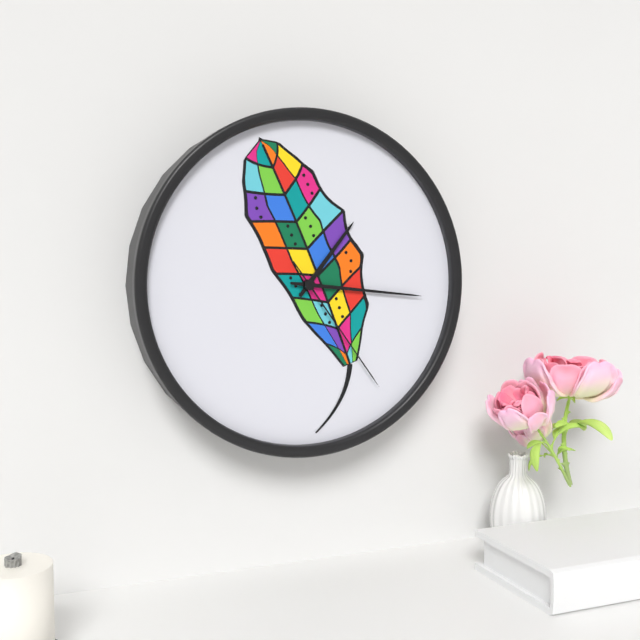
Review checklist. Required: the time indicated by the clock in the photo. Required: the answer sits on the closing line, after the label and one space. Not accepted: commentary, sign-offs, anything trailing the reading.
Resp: 1:16:24
